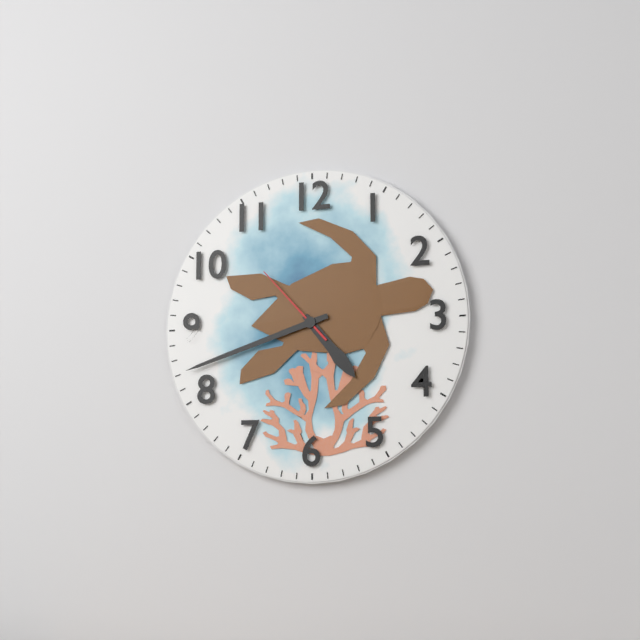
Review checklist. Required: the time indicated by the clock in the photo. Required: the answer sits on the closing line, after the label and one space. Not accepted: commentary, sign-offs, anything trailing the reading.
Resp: 4:42:53
